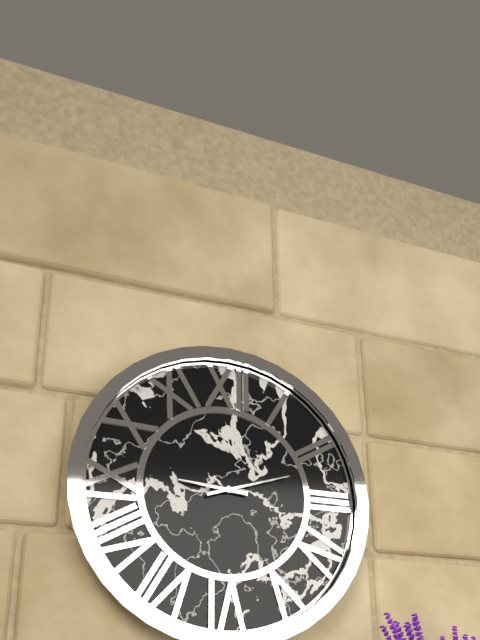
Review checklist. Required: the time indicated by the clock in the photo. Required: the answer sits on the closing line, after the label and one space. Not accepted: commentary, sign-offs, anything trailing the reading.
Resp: 9:12
